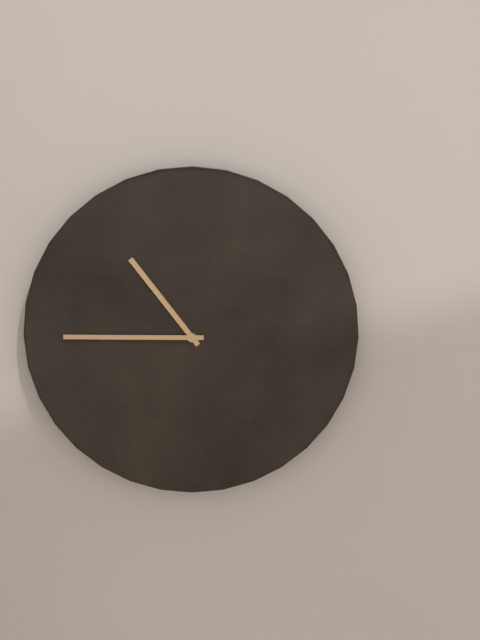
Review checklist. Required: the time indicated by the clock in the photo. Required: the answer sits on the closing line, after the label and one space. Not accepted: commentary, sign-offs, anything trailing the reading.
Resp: 10:45
